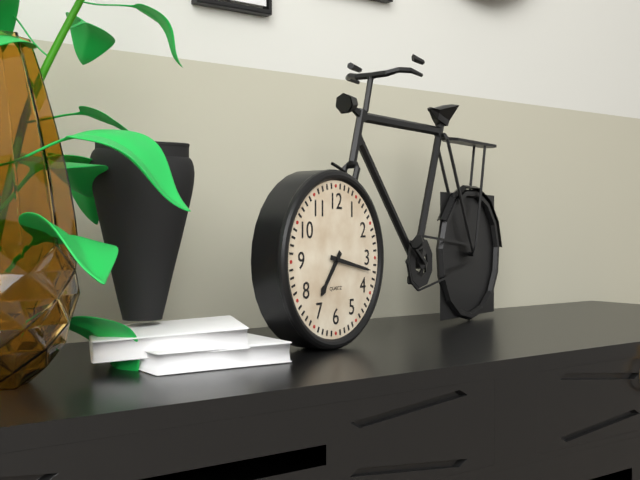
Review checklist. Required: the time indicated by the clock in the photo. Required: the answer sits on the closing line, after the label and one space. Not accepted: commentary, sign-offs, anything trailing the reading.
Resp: 7:17
